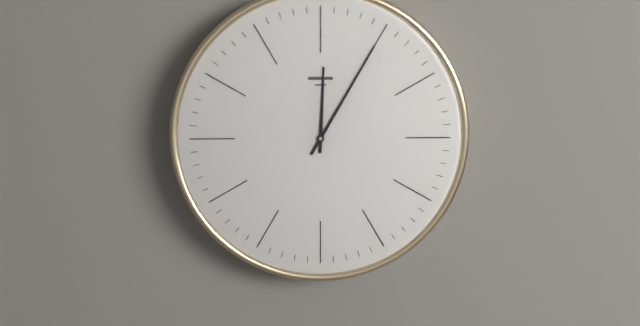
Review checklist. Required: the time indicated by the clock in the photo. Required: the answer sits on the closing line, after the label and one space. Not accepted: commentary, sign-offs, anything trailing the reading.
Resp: 12:05
